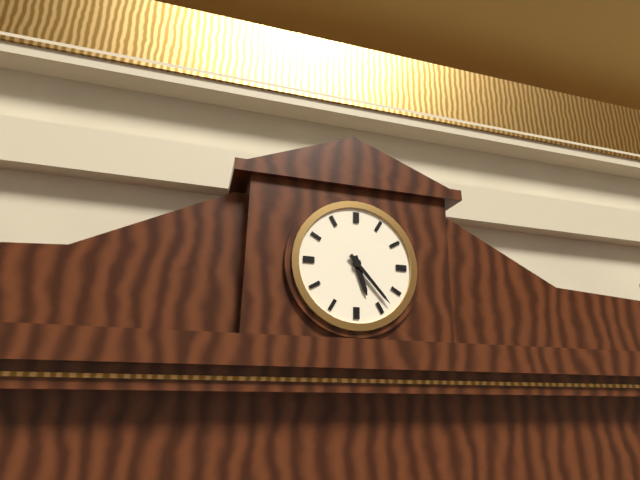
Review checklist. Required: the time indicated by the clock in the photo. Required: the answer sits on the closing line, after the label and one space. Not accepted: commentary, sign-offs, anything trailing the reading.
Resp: 5:23
